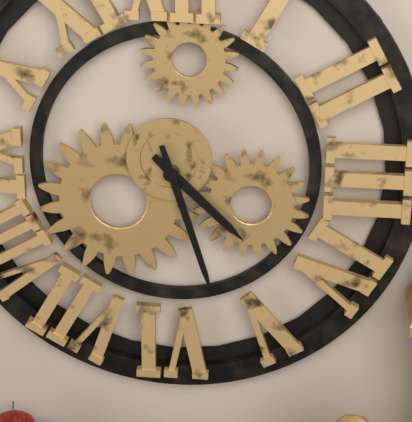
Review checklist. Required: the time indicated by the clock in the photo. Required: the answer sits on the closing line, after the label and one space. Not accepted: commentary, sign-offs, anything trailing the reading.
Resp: 4:27
